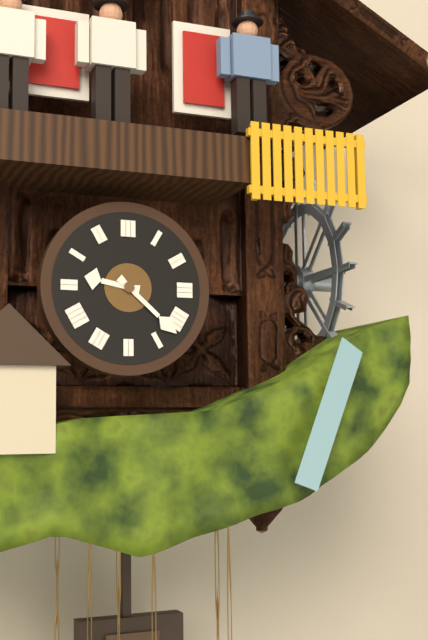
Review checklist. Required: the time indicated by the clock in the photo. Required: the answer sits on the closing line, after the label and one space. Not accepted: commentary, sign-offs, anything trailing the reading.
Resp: 9:22
